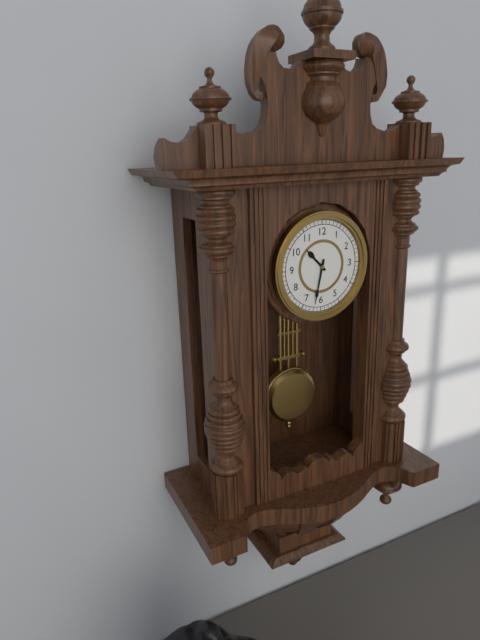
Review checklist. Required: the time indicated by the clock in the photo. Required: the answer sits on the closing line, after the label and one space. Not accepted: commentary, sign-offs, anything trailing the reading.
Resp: 10:32
